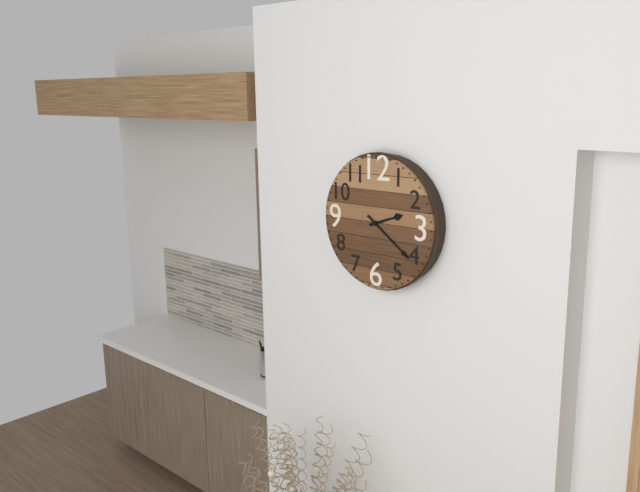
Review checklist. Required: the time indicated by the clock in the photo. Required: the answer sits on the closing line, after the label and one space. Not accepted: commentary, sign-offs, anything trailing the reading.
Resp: 2:21
